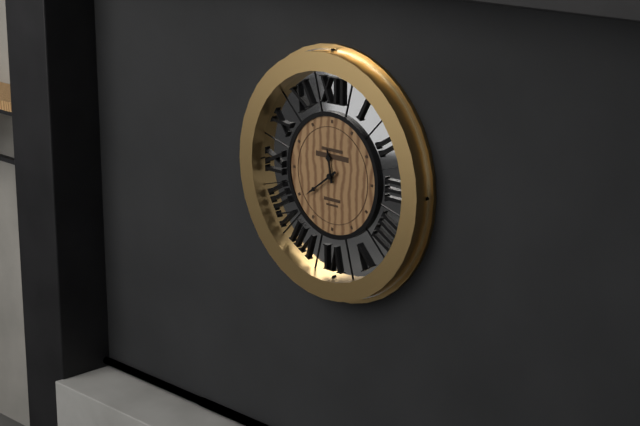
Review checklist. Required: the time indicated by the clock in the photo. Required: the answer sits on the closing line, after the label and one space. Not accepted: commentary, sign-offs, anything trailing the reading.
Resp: 11:39
